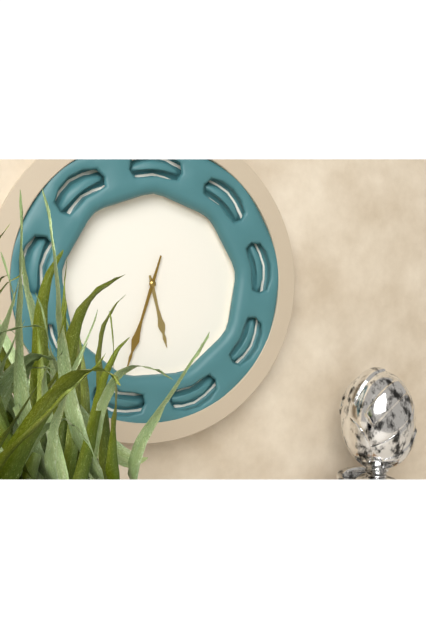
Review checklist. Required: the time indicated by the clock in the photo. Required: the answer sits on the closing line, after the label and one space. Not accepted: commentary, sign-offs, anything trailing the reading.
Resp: 5:33
